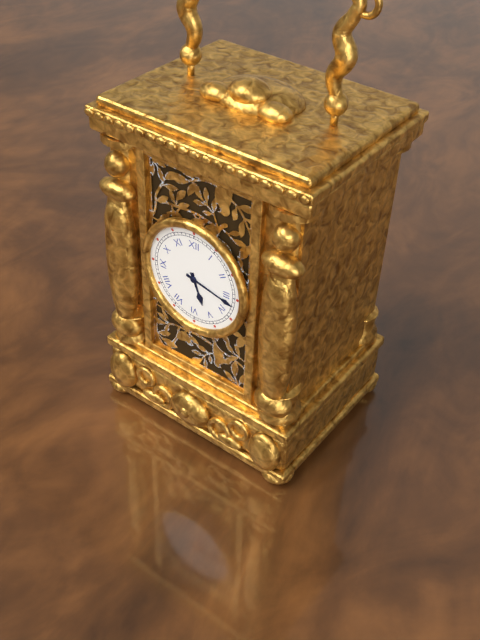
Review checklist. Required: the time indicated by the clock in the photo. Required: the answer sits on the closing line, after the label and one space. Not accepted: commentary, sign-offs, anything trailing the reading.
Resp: 5:17
